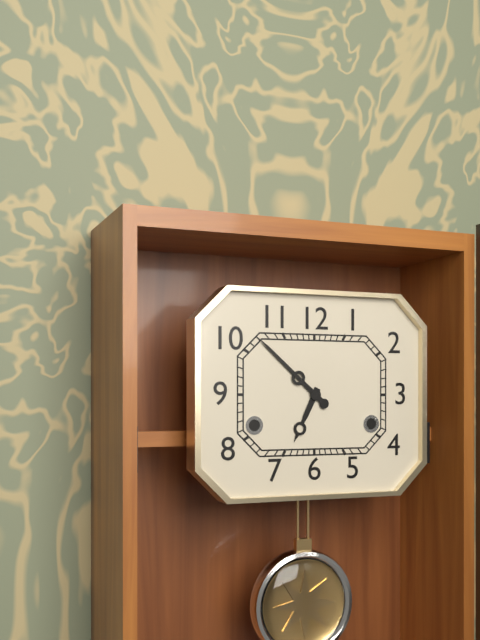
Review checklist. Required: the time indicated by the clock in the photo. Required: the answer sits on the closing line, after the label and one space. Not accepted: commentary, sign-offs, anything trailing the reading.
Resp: 6:52
